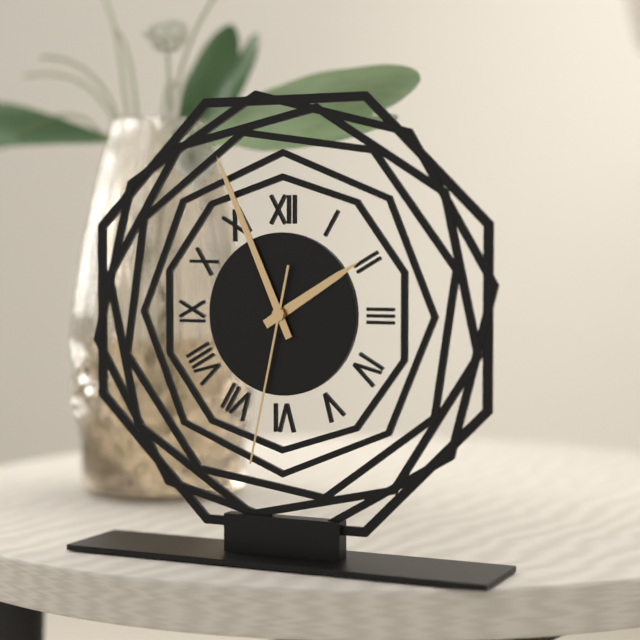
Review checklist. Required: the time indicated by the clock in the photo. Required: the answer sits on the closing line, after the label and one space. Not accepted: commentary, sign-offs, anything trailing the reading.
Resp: 1:56:32
